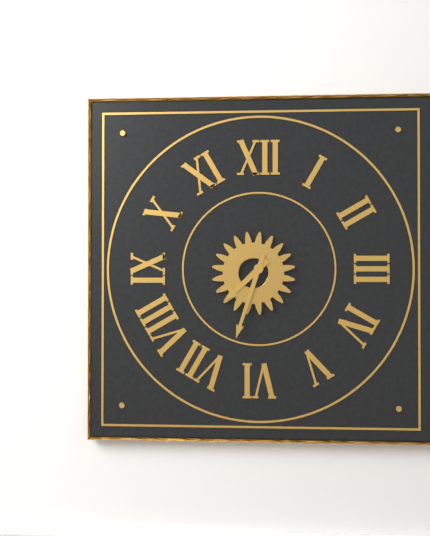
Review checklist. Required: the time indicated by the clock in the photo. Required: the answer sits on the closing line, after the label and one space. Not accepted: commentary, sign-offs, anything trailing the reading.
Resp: 7:33
